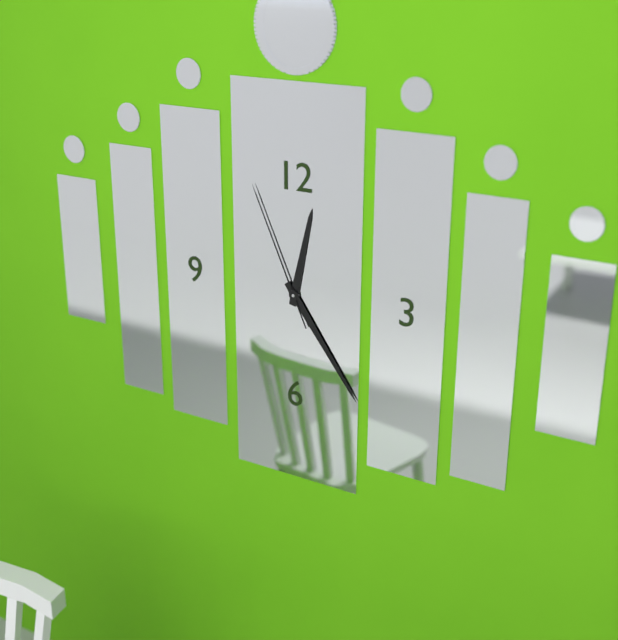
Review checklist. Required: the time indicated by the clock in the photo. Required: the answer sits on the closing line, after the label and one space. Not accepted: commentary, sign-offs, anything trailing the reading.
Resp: 12:24:56
